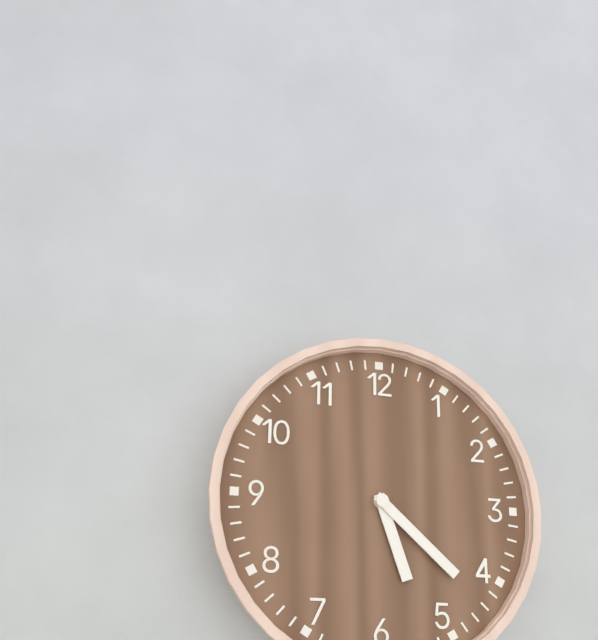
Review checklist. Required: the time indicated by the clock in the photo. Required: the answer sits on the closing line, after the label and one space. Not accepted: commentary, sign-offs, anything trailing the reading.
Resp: 5:22
